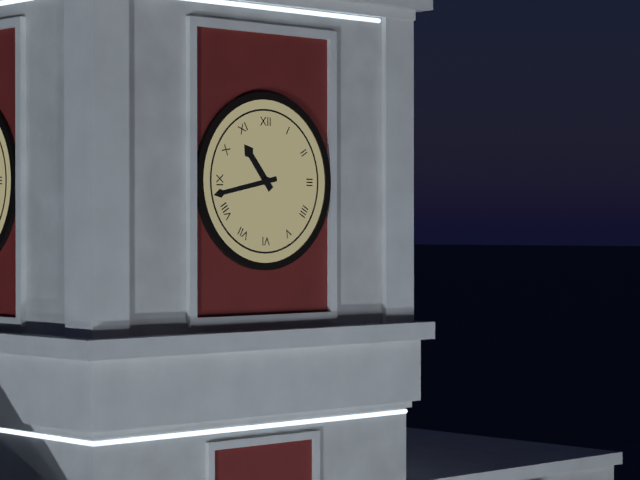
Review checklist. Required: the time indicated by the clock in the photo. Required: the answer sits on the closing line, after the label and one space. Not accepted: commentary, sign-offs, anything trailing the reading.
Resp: 10:43
